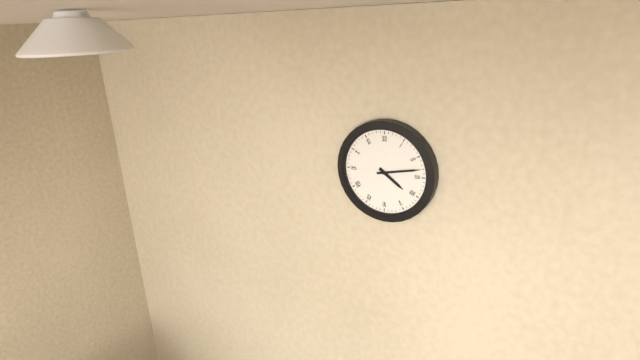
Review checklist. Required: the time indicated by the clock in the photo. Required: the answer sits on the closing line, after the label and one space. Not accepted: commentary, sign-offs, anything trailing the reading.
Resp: 4:13
